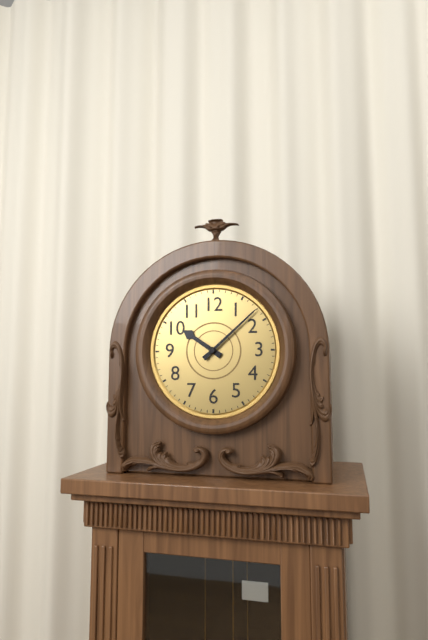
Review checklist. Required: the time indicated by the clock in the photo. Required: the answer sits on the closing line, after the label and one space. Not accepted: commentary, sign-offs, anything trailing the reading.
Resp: 10:08
